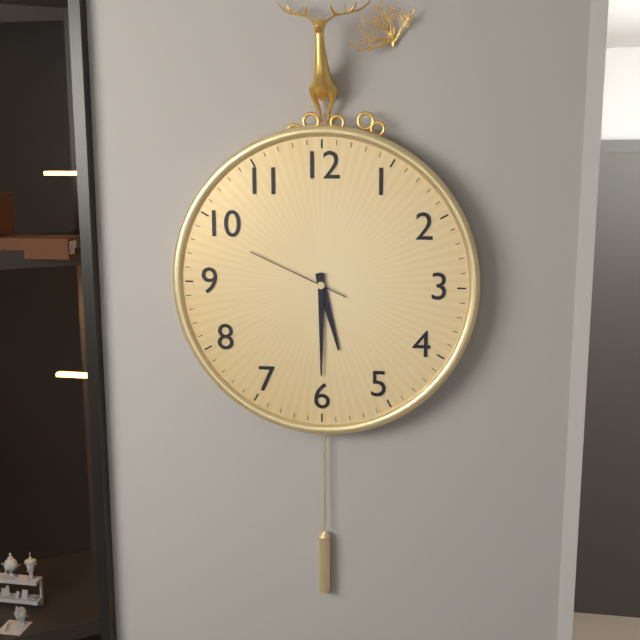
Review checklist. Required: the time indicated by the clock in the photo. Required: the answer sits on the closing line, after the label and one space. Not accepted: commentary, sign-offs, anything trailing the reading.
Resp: 5:30:49
